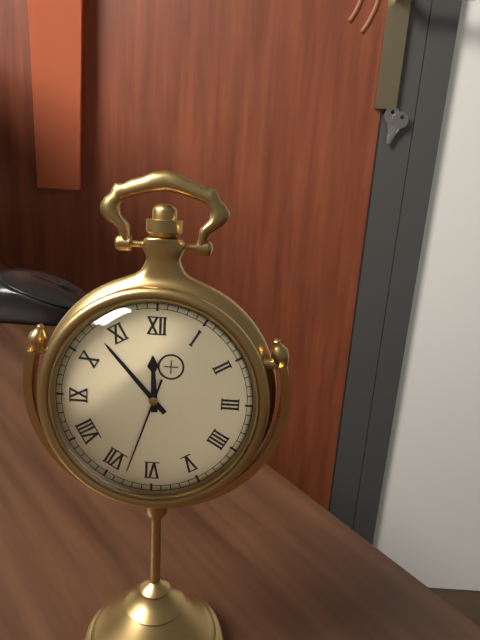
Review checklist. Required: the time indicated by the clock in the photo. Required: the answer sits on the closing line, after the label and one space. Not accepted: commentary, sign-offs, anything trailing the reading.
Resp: 11:53:33
